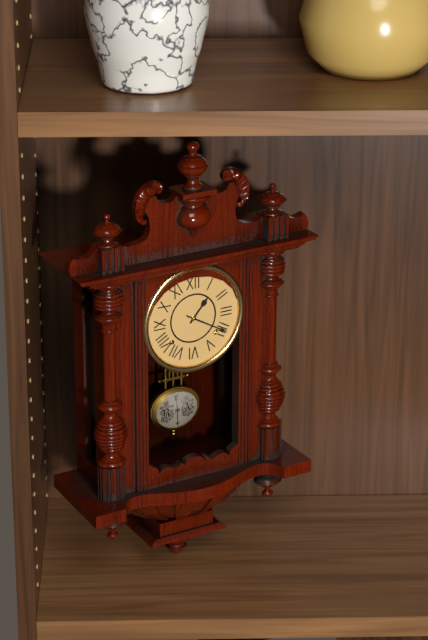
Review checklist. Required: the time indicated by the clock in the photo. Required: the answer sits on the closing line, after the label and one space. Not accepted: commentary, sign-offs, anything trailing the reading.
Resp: 1:20
